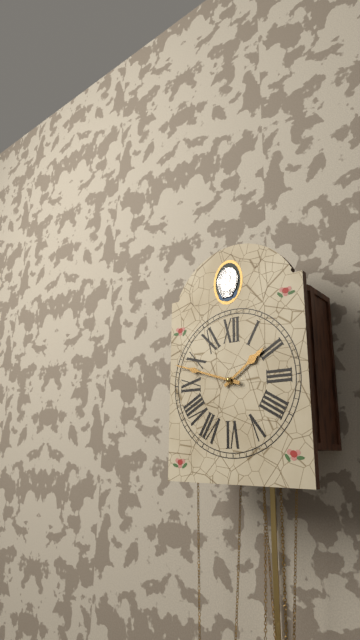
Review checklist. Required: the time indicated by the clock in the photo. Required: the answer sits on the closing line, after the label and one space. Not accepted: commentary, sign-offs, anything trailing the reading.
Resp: 1:48
